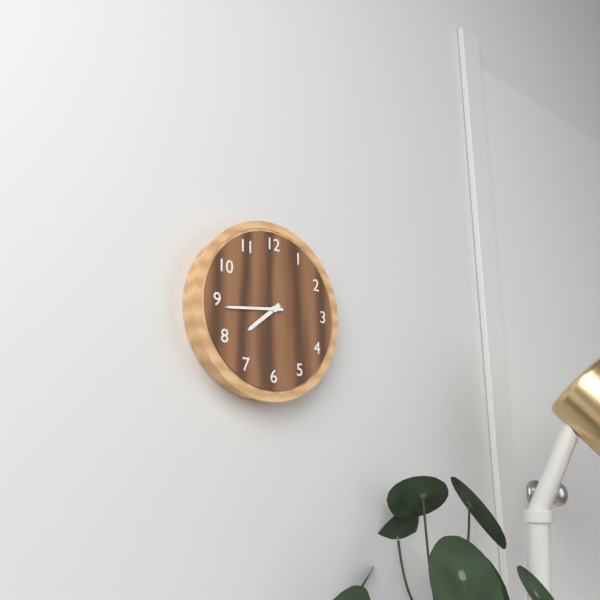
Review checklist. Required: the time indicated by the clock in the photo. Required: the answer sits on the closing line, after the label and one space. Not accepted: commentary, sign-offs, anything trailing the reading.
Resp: 7:44
